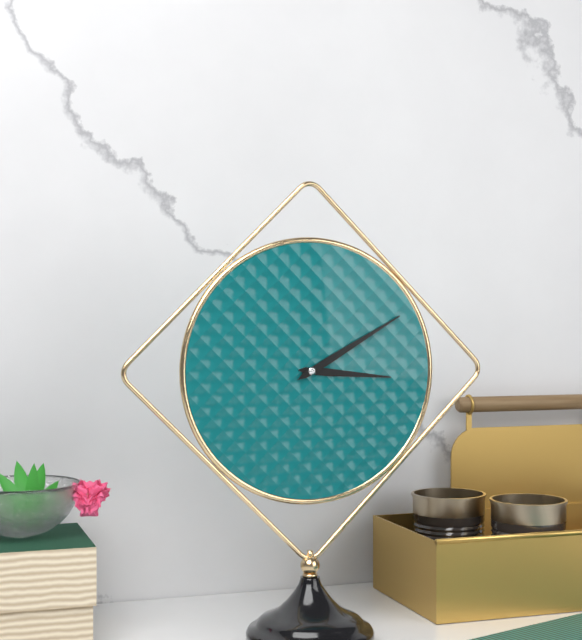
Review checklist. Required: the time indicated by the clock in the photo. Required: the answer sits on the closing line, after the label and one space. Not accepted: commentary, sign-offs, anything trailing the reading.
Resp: 3:10
